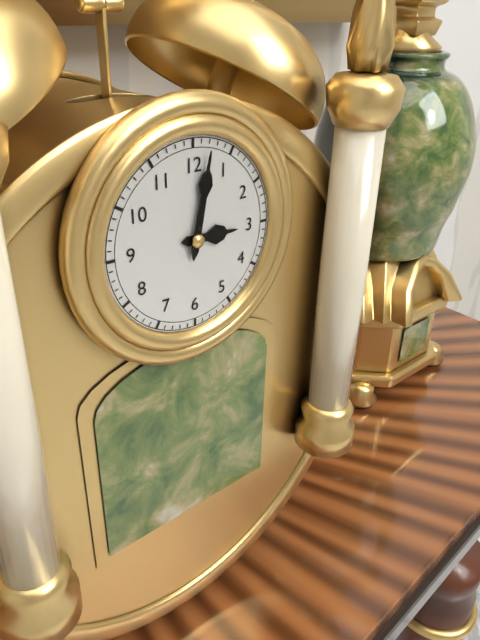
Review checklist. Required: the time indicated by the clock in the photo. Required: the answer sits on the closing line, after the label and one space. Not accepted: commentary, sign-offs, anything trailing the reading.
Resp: 3:02
